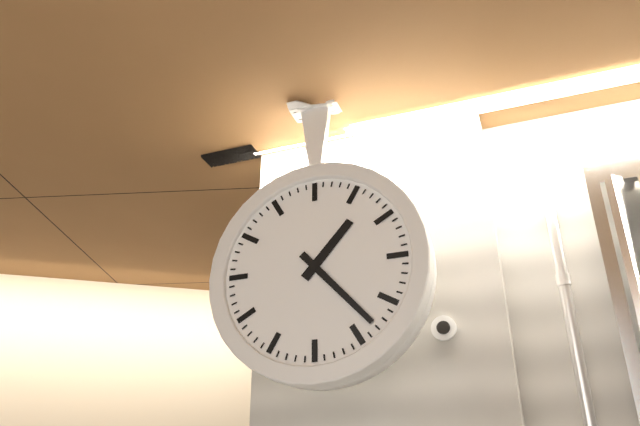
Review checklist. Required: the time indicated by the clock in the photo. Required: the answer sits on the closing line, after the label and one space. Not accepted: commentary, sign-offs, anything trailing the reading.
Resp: 1:23
